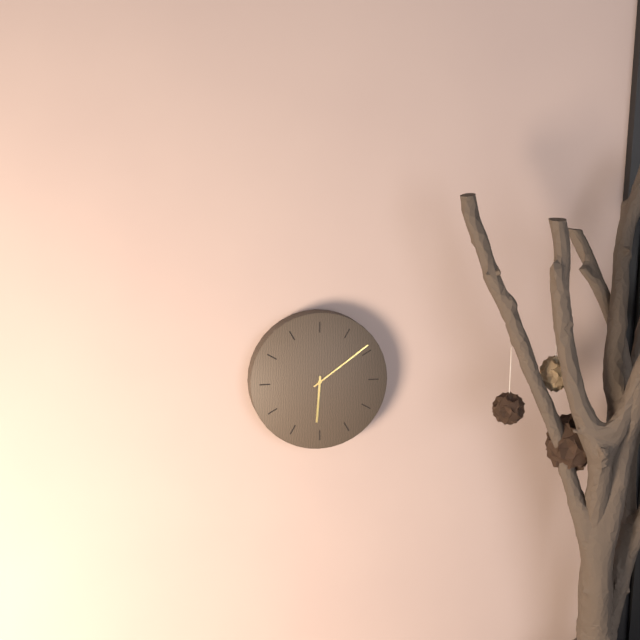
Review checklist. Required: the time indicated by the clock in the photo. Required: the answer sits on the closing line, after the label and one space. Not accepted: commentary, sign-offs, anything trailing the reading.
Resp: 6:09
